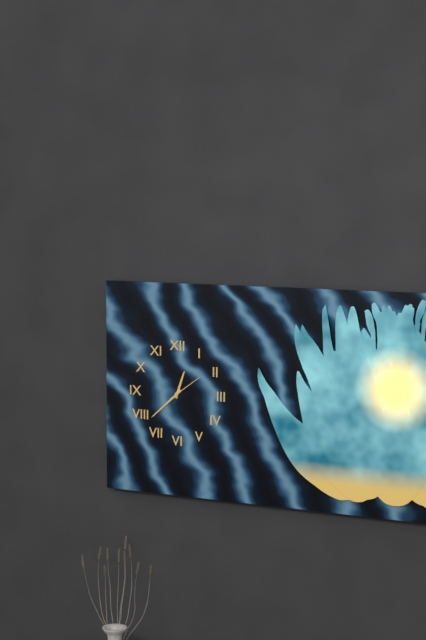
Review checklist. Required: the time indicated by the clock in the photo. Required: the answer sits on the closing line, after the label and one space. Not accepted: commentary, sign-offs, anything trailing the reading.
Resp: 12:38
